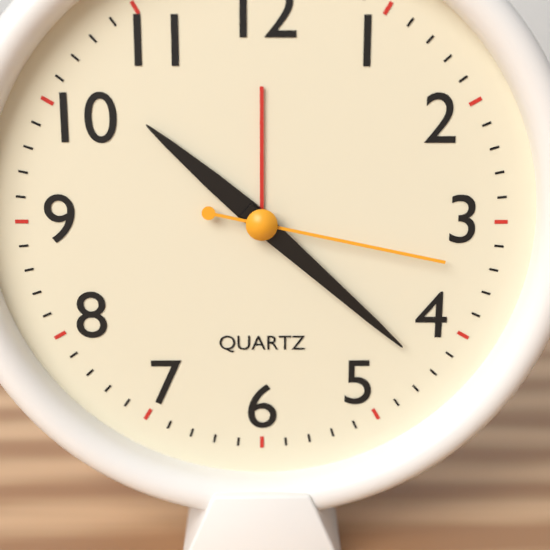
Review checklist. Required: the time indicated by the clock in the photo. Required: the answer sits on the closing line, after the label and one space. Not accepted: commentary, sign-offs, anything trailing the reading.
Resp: 10:22:17
